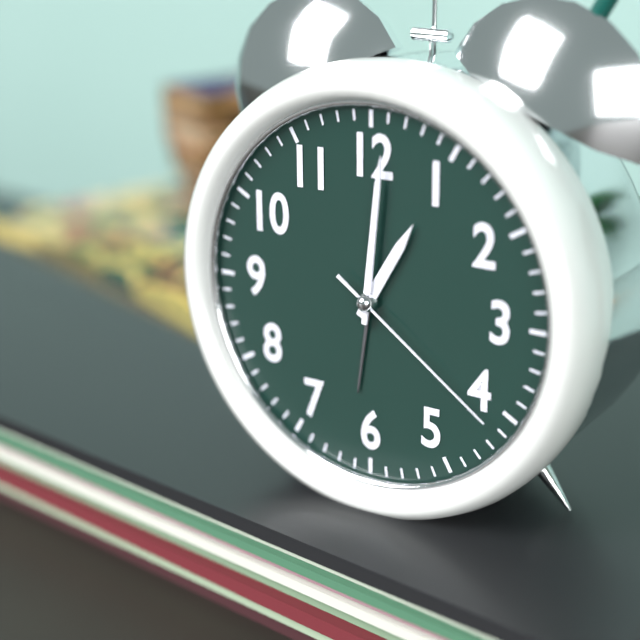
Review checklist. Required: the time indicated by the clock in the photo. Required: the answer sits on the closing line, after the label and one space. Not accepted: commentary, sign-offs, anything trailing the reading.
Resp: 1:01:21
